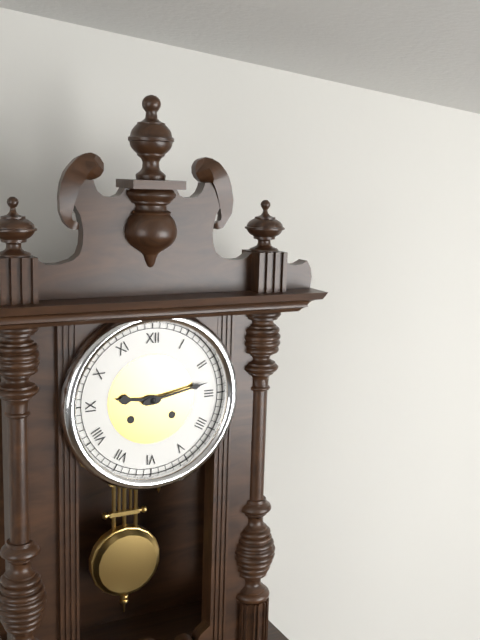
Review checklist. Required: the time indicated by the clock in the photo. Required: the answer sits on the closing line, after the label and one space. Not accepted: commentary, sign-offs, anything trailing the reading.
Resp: 9:13
